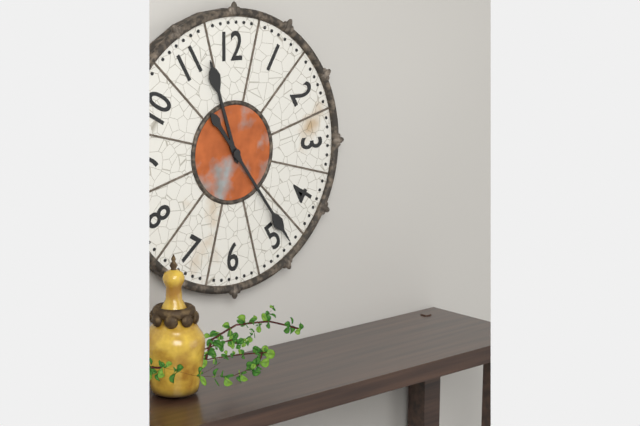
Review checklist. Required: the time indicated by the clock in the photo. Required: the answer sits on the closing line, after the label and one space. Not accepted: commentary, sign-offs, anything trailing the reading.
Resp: 11:24
